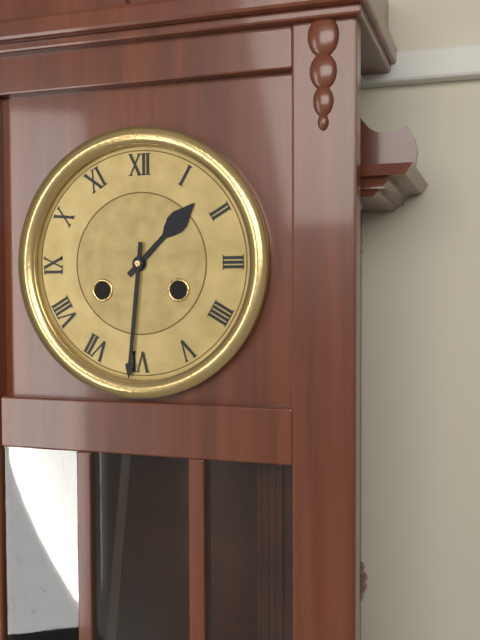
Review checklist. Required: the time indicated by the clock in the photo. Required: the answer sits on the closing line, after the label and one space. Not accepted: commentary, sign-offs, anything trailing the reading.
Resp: 1:31
